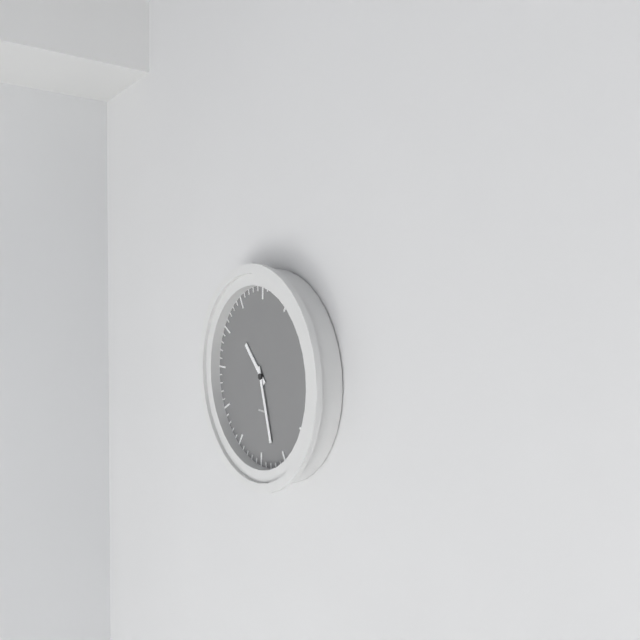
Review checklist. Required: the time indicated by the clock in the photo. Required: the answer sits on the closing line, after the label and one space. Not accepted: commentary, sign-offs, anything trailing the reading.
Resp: 10:27
